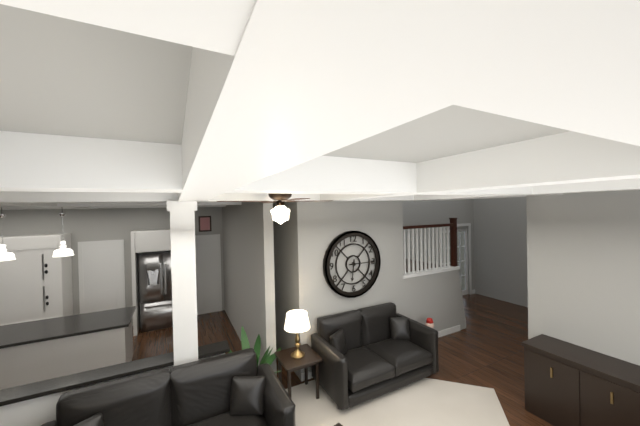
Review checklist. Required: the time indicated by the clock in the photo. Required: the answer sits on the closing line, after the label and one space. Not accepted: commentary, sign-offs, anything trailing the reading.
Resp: 6:15
